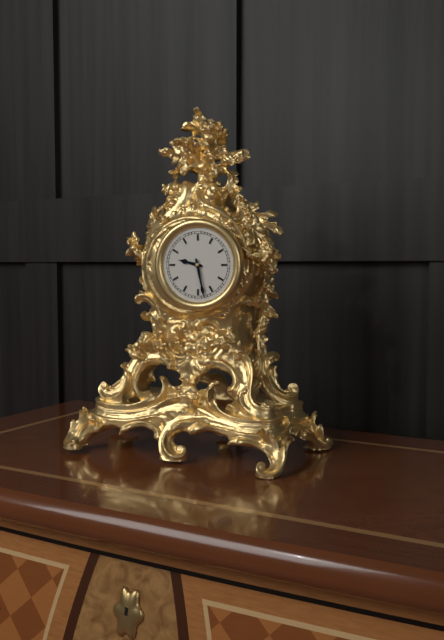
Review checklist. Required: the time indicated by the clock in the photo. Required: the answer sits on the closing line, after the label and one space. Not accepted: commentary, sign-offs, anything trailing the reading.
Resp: 9:28
